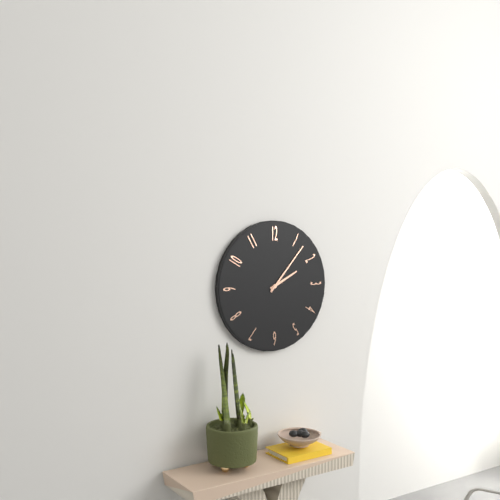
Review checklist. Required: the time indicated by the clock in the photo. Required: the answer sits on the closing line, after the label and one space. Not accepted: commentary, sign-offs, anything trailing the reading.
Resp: 2:07
